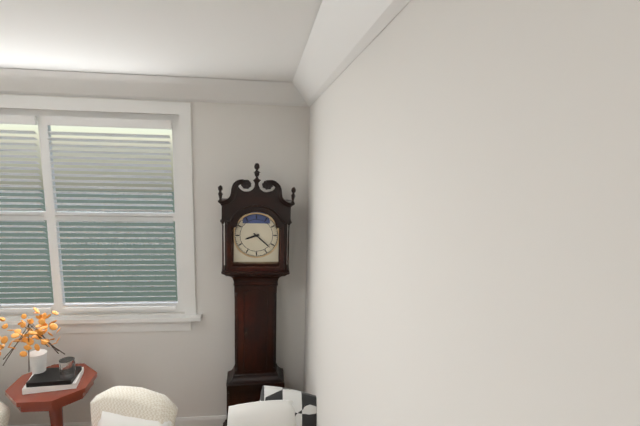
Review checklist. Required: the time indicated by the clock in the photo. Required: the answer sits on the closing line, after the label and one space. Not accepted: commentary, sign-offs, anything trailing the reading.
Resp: 8:22
